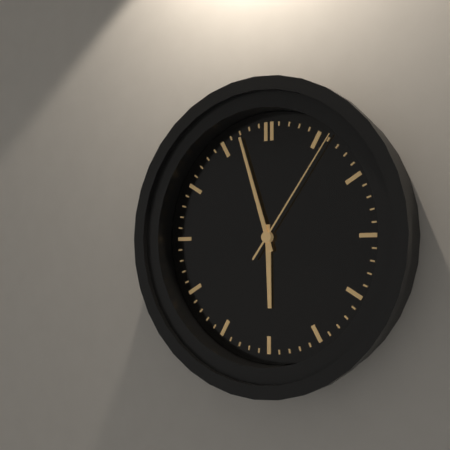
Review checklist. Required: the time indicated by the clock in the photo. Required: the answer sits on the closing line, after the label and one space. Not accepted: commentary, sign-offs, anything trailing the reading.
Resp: 5:57:06
